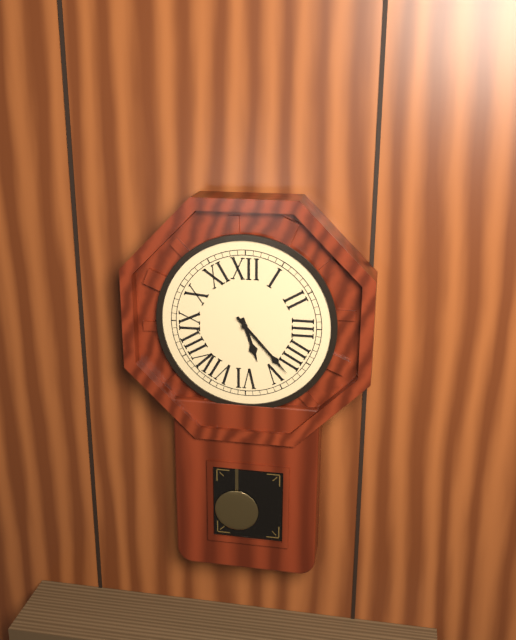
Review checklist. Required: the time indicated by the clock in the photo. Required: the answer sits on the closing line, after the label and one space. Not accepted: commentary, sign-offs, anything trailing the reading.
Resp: 5:23
